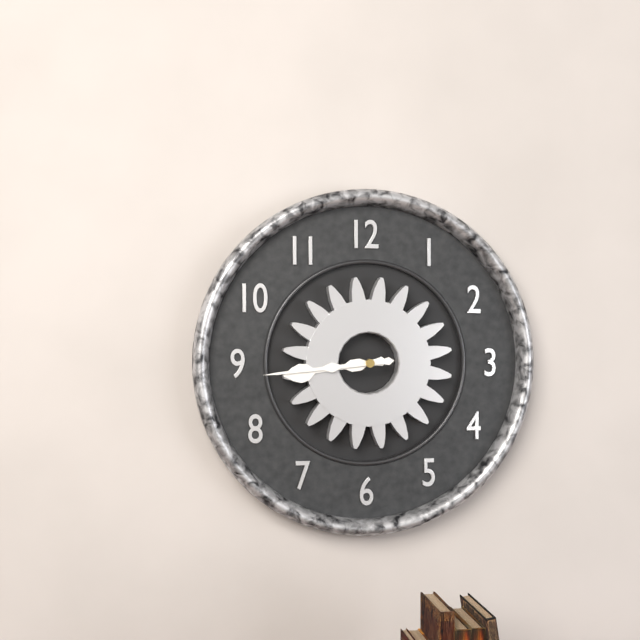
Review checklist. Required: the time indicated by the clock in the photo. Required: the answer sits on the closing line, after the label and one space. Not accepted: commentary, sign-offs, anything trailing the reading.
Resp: 8:44
